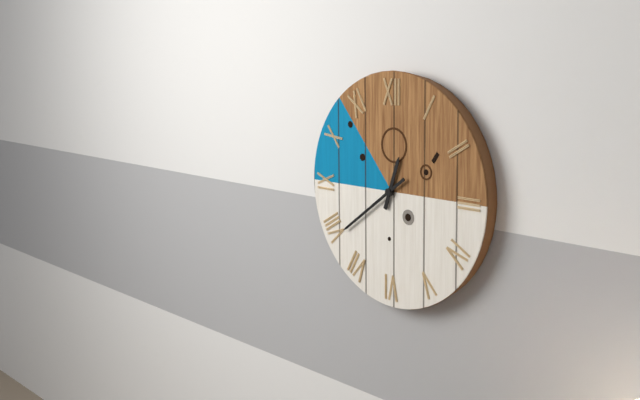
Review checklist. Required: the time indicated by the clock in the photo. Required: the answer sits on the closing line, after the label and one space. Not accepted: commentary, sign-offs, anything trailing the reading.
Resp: 12:39
